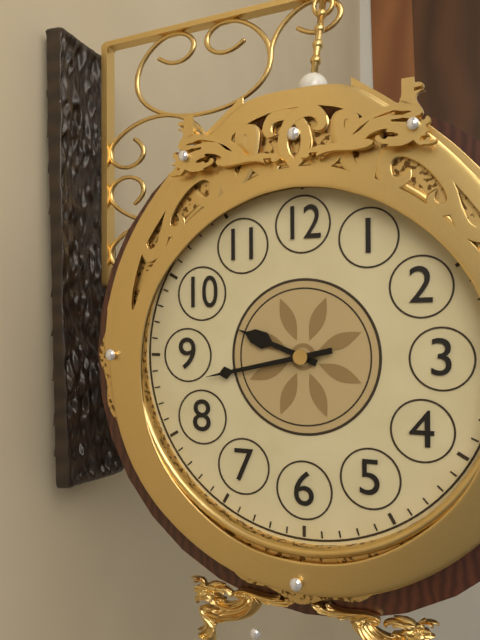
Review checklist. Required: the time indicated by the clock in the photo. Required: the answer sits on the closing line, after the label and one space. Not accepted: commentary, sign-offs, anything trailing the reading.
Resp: 9:43
